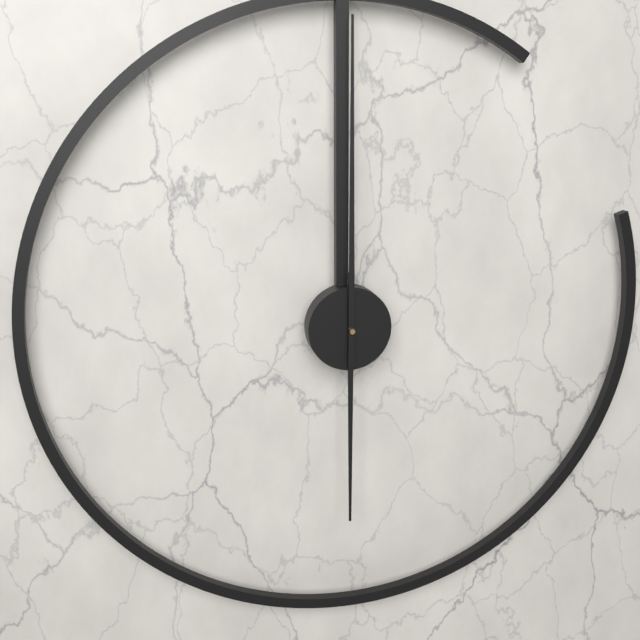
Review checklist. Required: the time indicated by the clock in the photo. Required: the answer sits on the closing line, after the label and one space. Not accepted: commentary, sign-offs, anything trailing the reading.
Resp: 6:00
